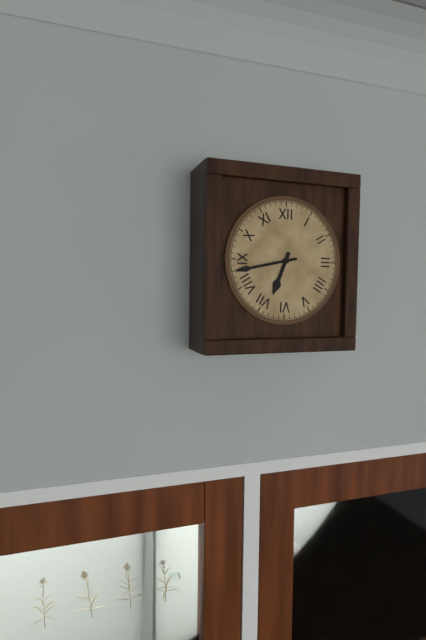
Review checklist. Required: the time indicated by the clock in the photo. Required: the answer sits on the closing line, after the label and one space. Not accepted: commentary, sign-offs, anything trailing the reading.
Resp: 6:43
